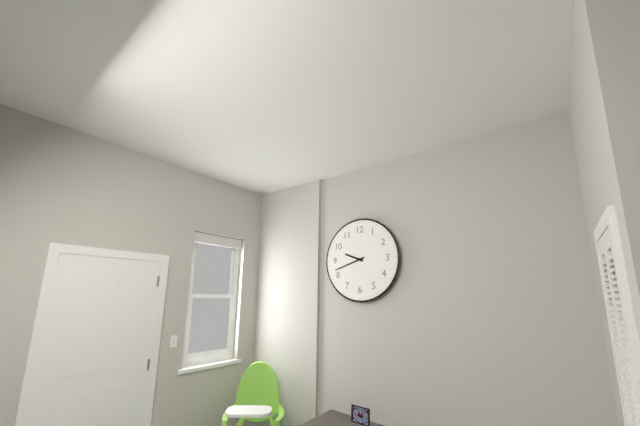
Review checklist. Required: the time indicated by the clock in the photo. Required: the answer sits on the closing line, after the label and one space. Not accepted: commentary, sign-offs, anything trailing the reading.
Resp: 9:42
